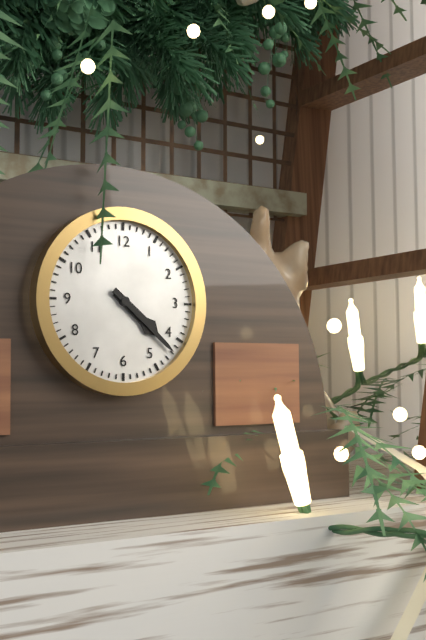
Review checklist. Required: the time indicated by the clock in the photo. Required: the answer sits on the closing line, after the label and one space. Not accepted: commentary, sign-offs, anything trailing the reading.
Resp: 4:22
